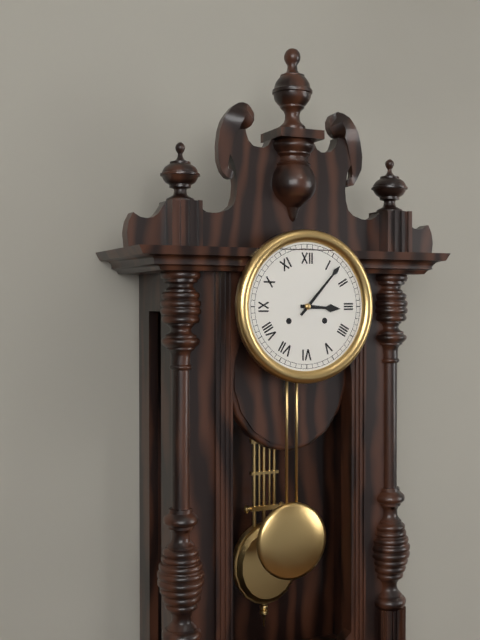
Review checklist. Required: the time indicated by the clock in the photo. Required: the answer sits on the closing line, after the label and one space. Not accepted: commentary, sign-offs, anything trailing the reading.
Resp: 3:07
